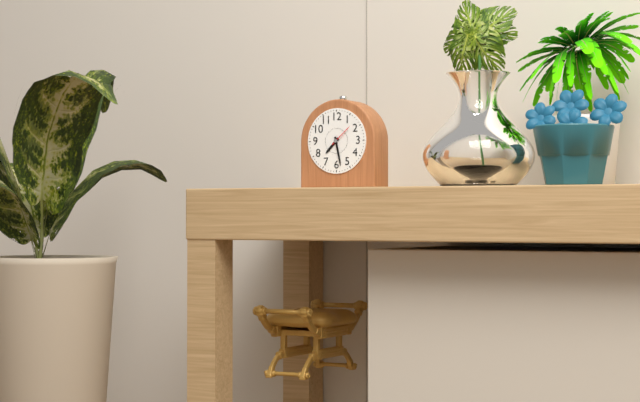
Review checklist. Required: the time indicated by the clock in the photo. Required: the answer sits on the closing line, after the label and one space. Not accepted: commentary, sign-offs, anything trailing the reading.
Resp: 7:28
